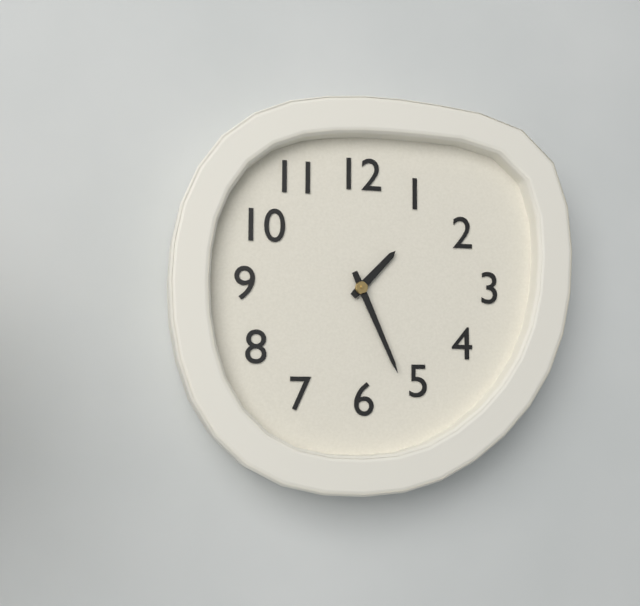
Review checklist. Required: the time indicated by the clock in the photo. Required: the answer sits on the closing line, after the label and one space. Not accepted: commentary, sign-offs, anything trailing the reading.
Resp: 1:26
